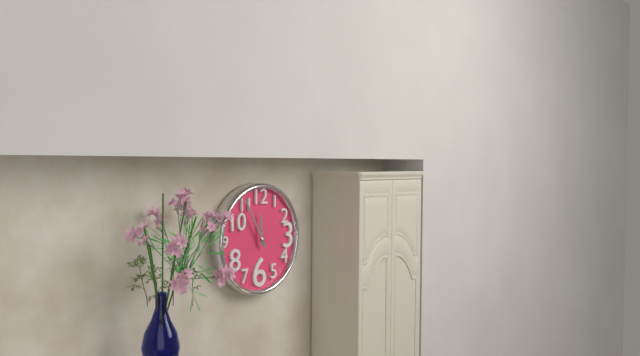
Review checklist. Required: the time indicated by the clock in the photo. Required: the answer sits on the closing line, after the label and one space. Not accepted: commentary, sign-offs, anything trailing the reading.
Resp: 11:55
